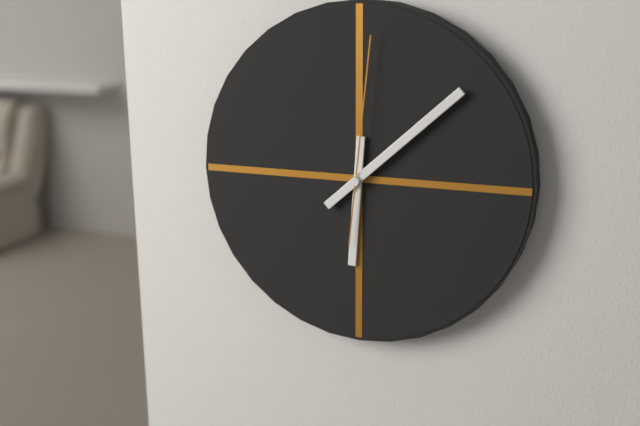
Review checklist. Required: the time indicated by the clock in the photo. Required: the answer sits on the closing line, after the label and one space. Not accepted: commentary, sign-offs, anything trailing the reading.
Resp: 6:08:01
